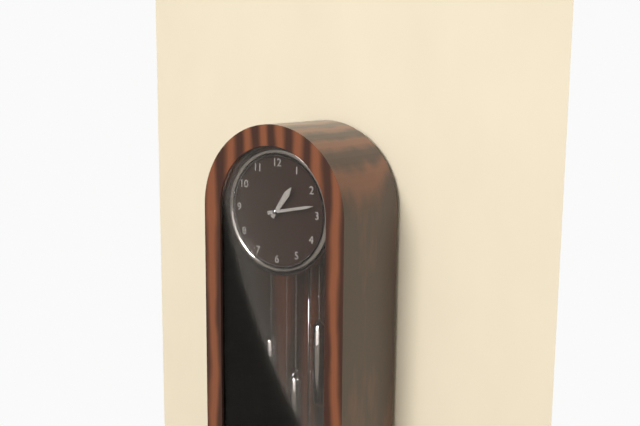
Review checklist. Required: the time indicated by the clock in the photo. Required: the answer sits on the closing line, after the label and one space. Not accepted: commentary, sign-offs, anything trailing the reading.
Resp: 1:13
